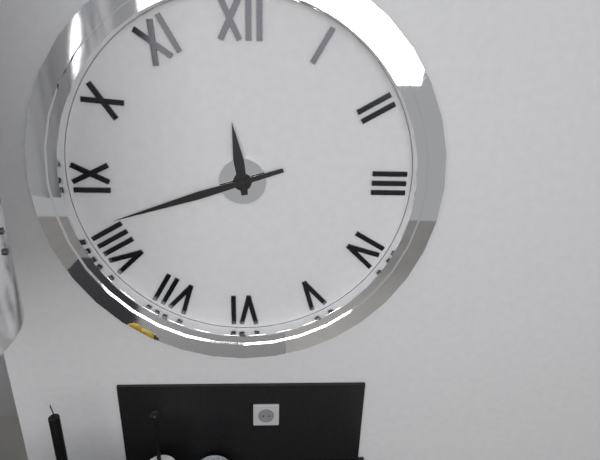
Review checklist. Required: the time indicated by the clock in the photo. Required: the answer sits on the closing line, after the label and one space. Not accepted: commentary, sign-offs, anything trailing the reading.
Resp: 11:42
